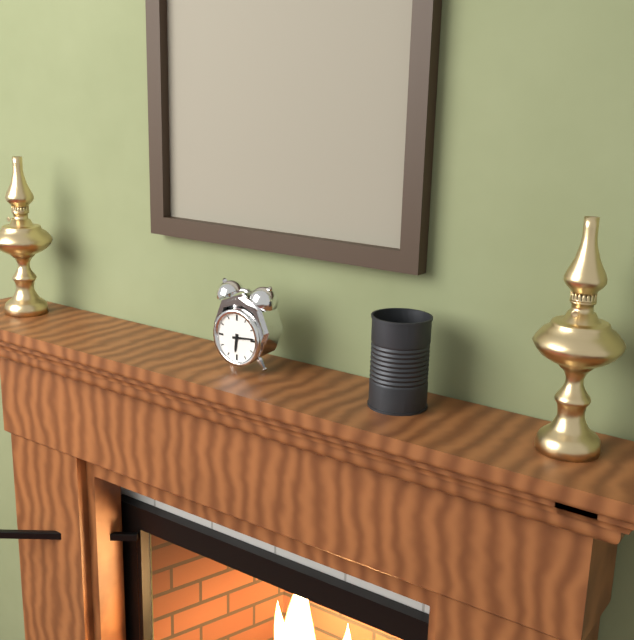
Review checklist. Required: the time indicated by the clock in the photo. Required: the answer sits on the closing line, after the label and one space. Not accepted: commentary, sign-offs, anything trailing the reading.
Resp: 6:14
